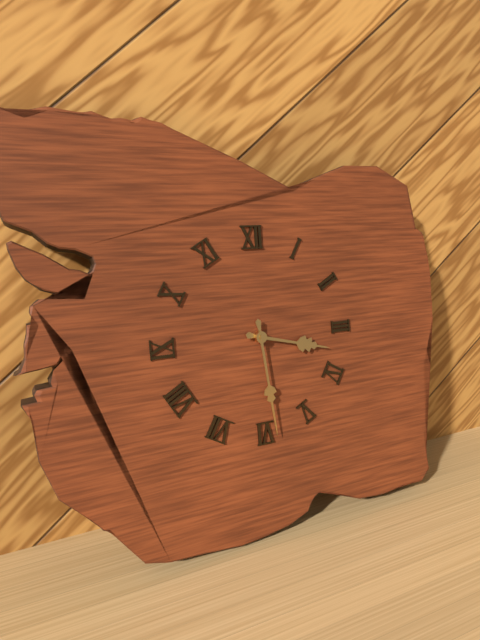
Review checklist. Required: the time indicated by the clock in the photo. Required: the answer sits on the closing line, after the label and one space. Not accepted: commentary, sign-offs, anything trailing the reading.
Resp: 3:29
